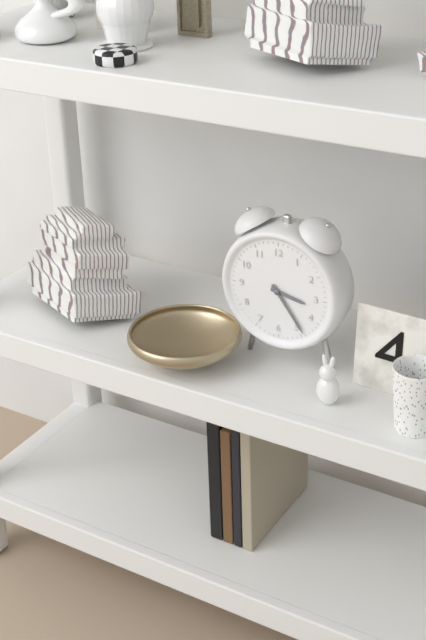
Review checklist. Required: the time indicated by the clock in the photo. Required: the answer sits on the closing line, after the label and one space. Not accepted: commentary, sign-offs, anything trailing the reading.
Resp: 3:24
